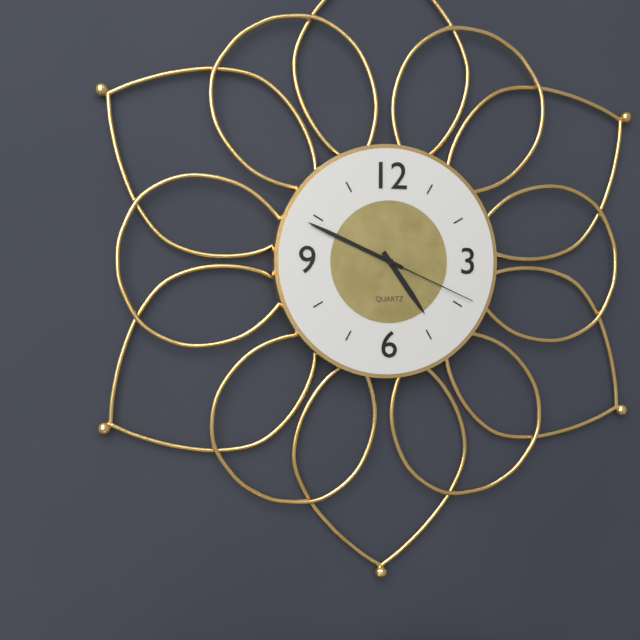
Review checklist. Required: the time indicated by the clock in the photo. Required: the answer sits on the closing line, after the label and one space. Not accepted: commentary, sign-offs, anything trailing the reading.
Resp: 4:49:19
